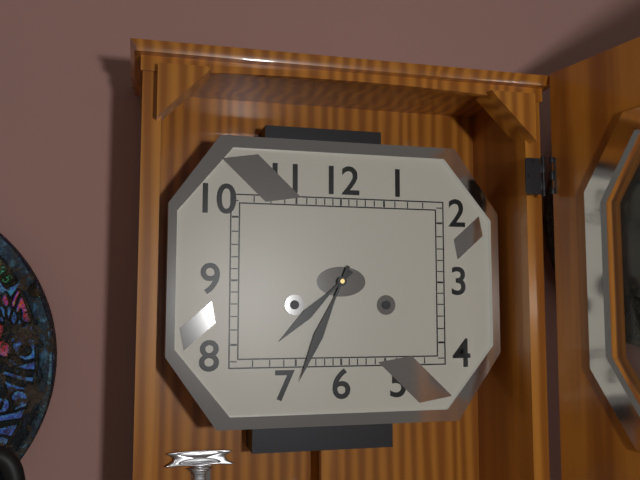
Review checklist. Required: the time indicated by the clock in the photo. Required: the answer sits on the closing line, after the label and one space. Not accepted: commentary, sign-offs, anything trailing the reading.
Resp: 7:34
